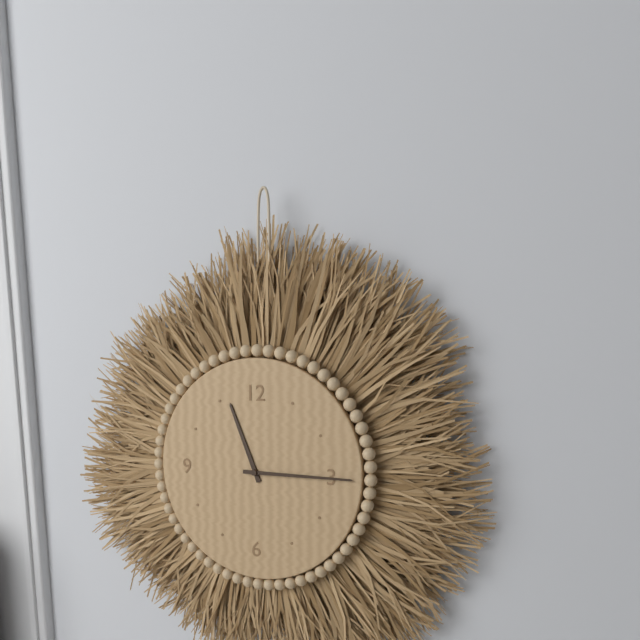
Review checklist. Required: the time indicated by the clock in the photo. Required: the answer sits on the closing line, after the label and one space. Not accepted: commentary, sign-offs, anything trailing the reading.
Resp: 11:15
